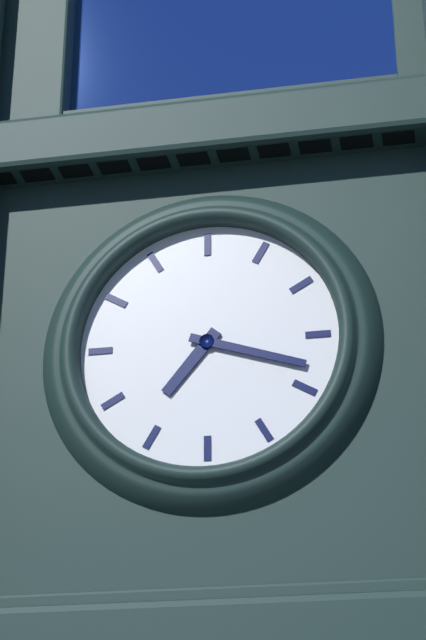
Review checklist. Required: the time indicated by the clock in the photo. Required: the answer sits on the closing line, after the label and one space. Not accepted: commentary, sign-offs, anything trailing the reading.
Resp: 7:18
